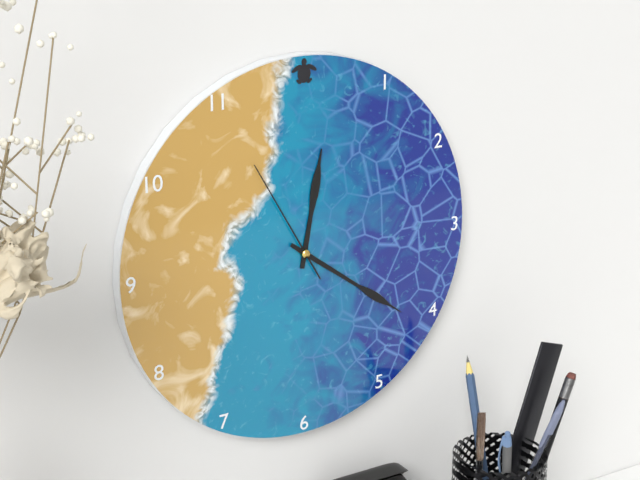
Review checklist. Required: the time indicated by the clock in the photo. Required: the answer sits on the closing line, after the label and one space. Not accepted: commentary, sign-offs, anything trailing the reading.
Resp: 12:21:55
